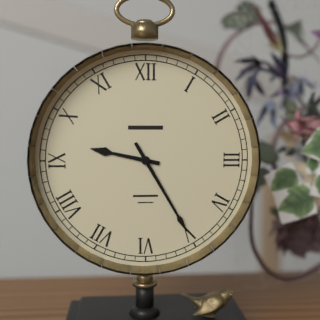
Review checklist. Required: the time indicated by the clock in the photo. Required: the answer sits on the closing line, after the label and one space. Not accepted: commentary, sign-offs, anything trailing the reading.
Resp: 9:25
